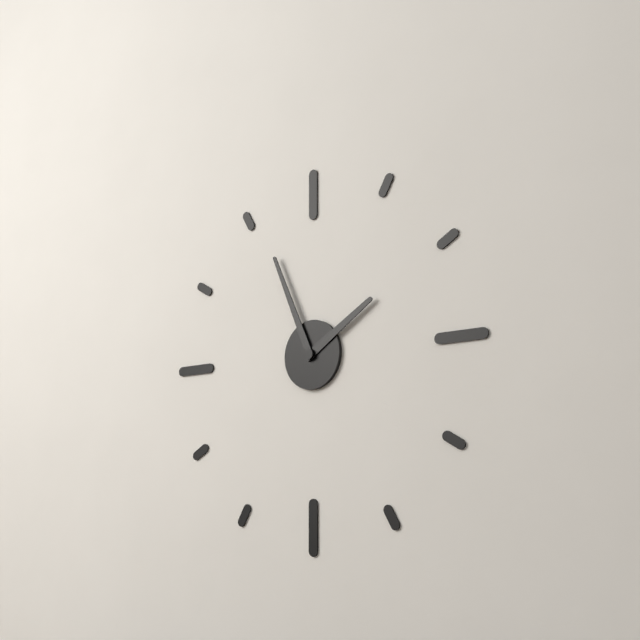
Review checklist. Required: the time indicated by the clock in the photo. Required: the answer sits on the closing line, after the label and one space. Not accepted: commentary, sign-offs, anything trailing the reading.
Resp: 1:56
